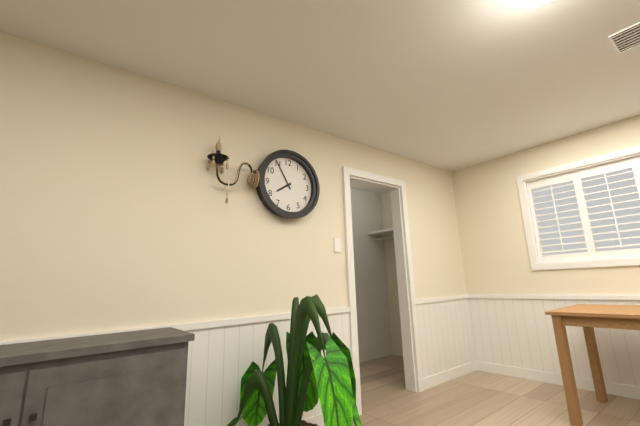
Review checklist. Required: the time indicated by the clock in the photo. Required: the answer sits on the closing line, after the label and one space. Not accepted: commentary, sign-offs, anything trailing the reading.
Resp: 7:55
